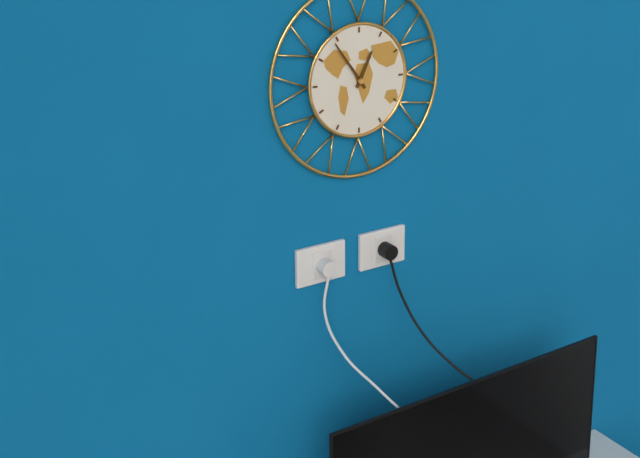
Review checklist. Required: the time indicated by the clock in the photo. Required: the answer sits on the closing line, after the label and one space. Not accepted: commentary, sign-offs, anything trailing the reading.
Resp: 12:54
